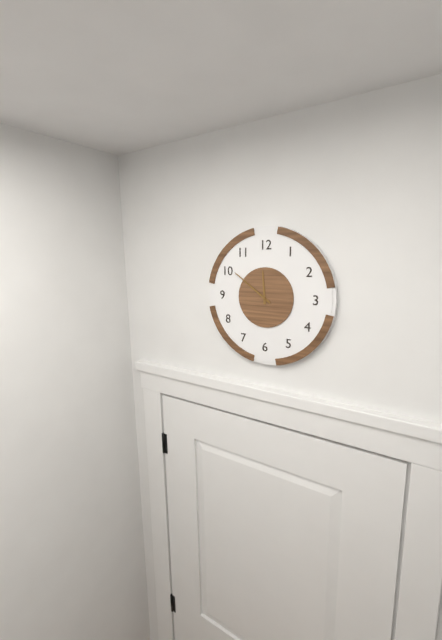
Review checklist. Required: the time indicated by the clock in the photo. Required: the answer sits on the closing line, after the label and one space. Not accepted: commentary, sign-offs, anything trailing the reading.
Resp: 11:51
